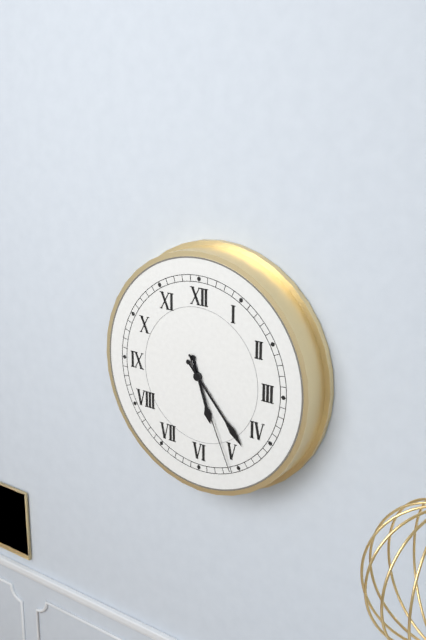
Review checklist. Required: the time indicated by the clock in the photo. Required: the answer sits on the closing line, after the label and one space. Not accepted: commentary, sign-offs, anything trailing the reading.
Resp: 5:23:26
